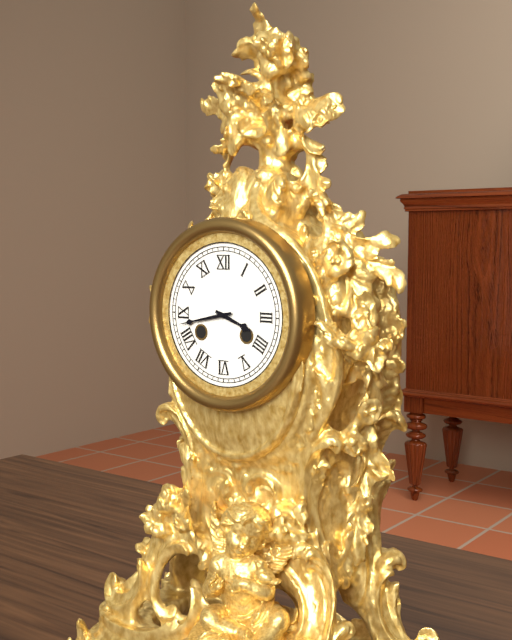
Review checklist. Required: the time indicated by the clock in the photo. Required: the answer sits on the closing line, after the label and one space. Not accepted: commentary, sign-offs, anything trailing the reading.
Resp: 3:43
